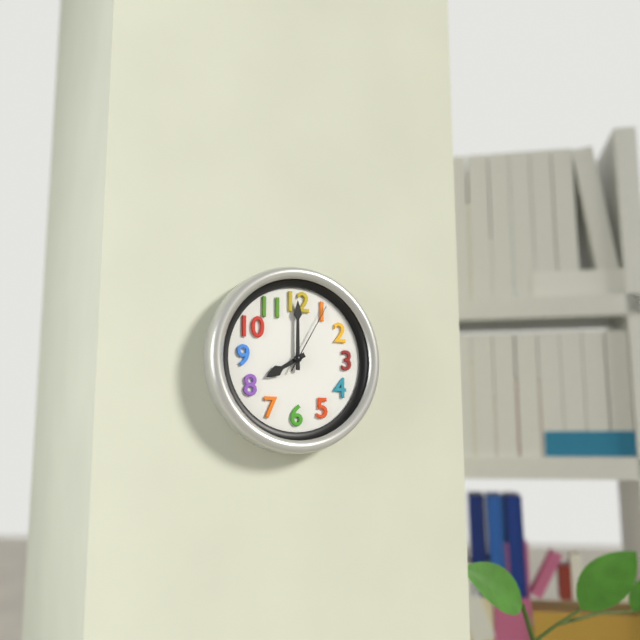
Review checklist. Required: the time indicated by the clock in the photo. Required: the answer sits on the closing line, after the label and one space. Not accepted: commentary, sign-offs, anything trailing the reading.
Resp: 8:00:05
